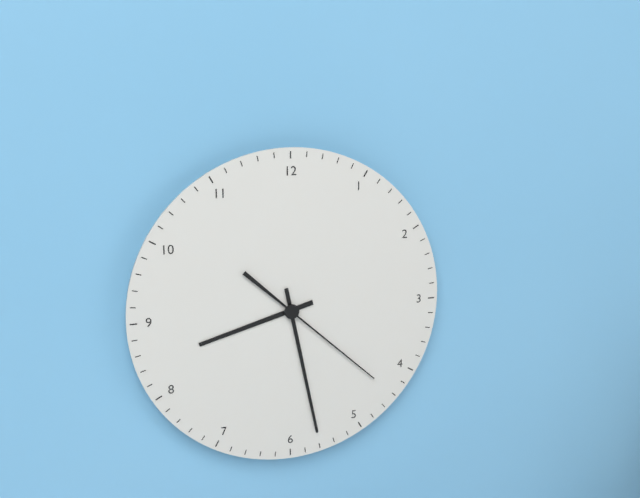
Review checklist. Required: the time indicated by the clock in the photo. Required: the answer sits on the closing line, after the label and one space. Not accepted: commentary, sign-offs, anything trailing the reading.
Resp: 8:28:22
